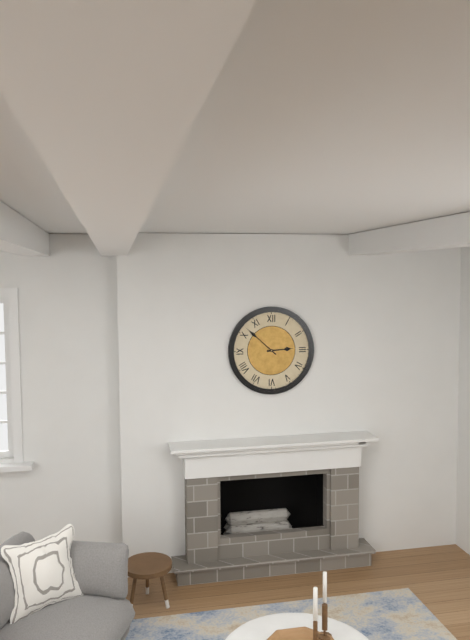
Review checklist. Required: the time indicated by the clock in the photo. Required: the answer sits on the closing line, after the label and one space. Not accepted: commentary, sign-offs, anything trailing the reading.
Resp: 2:52
